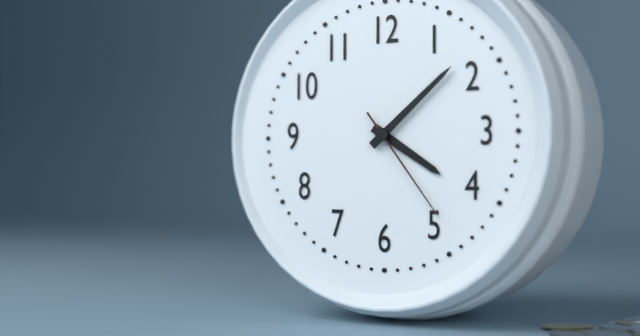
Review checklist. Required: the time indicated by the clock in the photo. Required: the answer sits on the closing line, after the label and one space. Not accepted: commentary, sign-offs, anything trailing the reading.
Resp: 4:08:24
